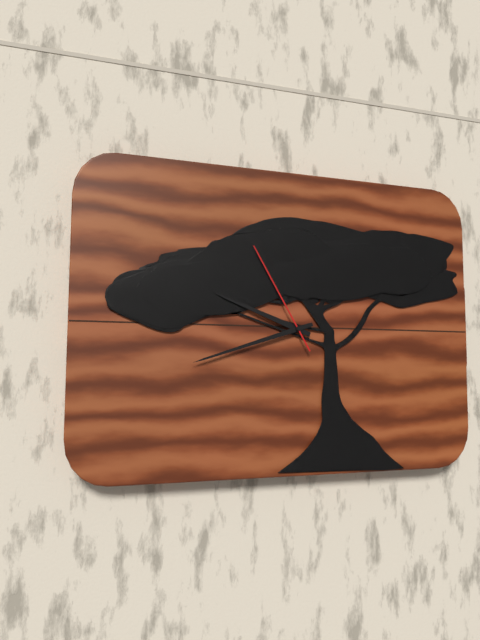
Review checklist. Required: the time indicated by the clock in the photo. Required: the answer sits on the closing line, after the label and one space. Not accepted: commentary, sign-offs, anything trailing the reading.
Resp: 9:42:55
